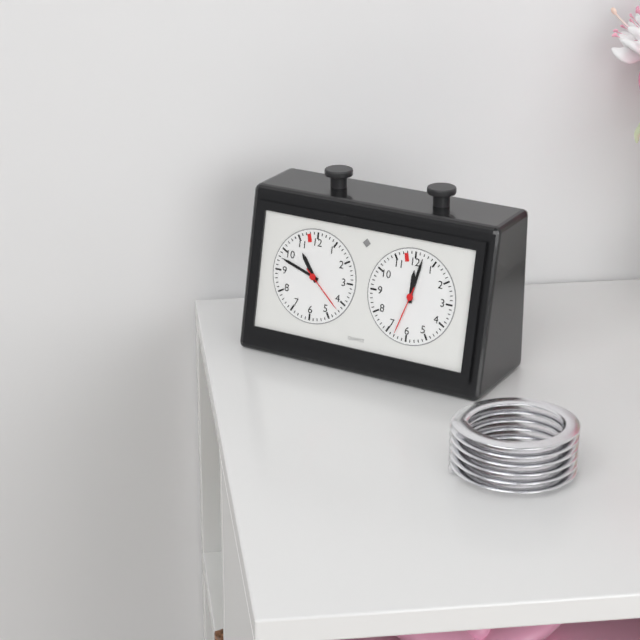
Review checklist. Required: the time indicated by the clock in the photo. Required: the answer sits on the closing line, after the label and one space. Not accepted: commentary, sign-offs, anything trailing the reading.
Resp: 10:48:22
